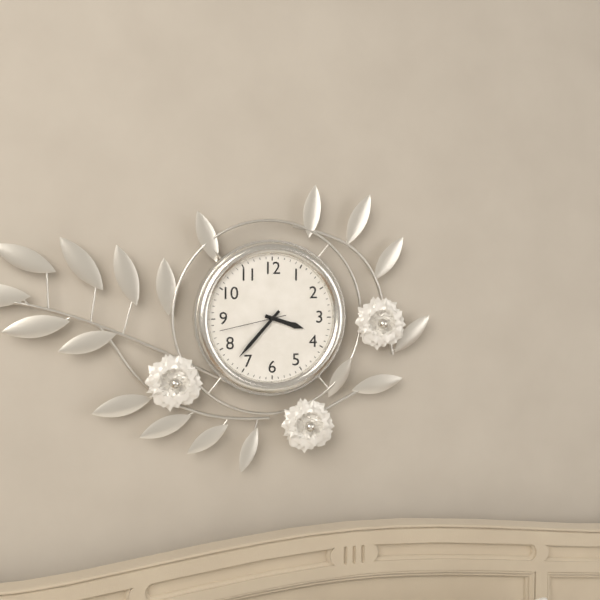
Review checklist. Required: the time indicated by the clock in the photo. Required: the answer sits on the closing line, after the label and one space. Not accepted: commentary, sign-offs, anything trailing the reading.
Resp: 3:37:43
